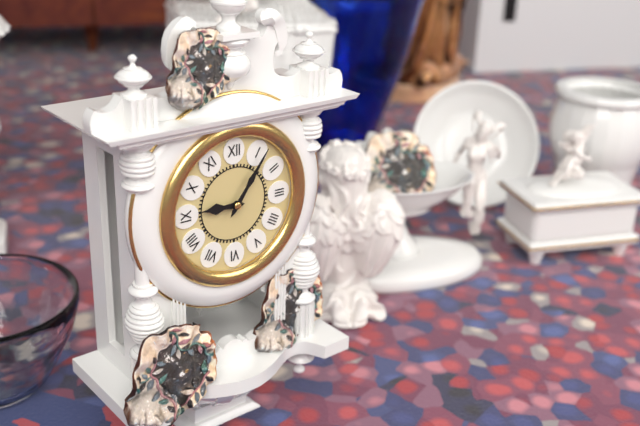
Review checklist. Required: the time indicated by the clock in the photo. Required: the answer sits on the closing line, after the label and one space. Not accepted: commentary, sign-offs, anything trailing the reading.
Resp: 9:06
